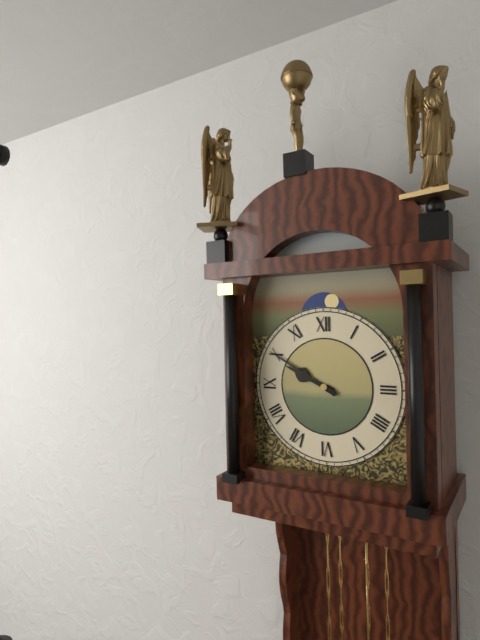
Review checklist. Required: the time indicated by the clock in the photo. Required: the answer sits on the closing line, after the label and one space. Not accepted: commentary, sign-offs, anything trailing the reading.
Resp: 9:50
